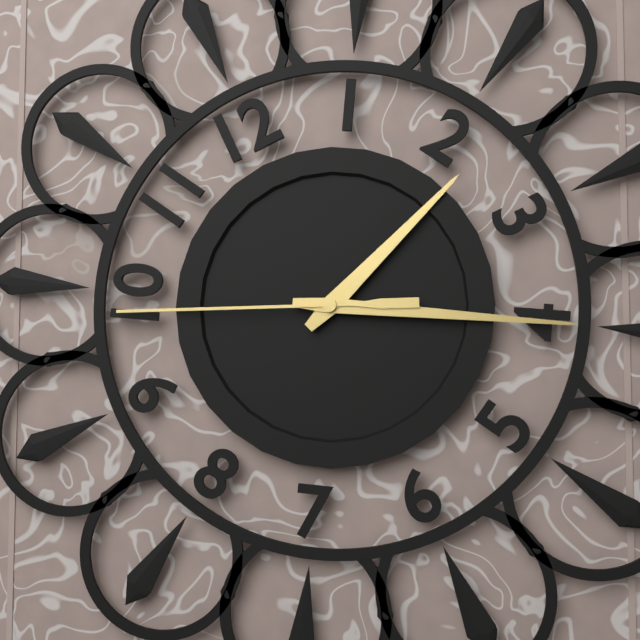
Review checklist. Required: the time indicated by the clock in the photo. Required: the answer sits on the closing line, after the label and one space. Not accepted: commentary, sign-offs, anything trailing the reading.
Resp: 2:20:49
